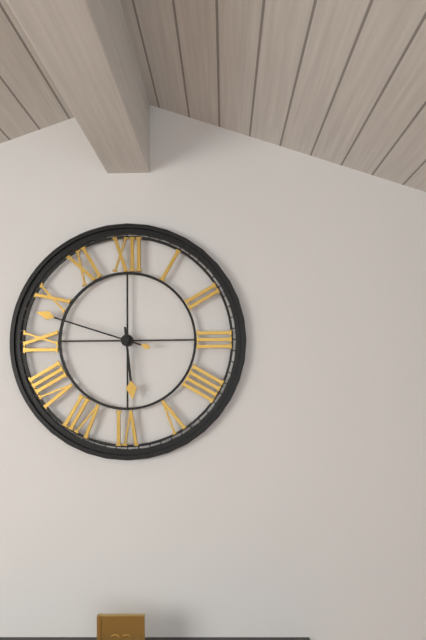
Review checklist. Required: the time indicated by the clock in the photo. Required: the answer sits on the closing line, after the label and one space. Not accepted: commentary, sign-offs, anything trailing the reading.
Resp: 5:48
